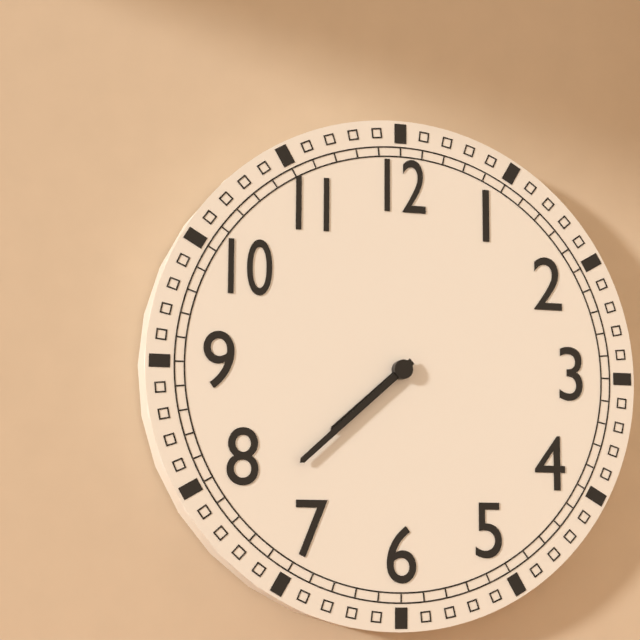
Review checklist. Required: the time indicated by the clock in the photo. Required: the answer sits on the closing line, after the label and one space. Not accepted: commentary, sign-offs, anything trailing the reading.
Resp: 7:38
